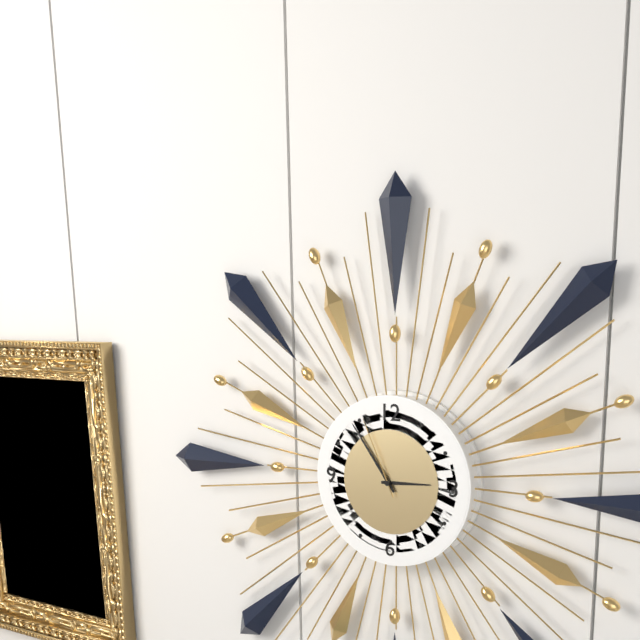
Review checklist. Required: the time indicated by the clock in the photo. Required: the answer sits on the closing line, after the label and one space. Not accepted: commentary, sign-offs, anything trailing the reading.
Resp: 2:54:56
